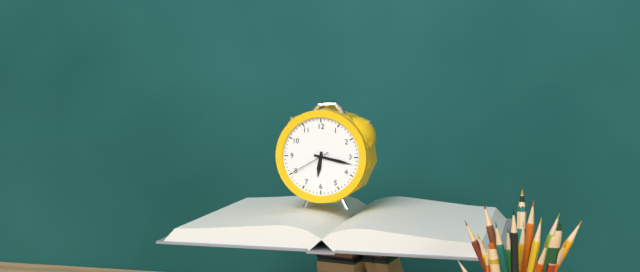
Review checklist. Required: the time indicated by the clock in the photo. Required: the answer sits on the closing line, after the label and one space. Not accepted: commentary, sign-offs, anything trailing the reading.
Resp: 6:17
